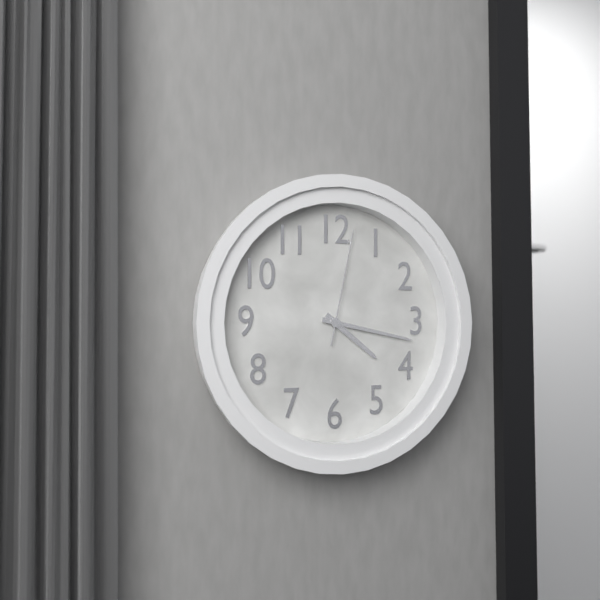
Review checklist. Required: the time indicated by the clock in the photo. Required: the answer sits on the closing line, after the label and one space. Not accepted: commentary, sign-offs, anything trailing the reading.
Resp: 4:17:02
